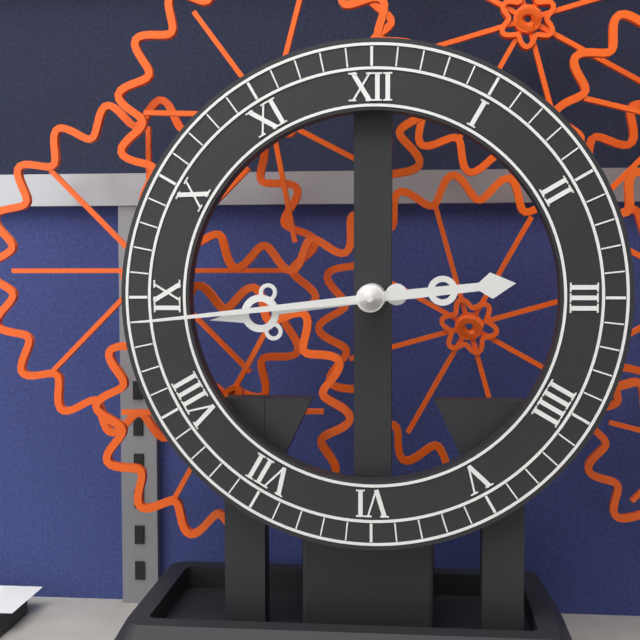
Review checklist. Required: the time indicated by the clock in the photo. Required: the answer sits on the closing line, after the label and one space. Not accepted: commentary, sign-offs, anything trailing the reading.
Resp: 8:44
